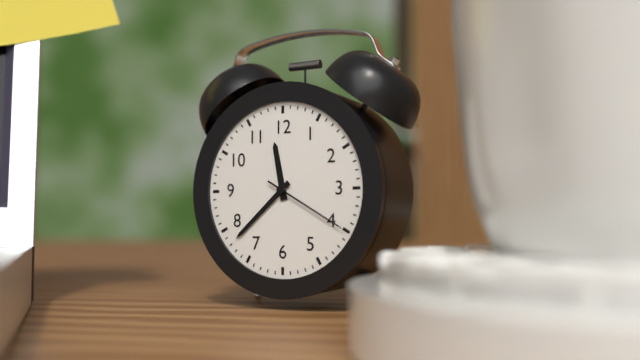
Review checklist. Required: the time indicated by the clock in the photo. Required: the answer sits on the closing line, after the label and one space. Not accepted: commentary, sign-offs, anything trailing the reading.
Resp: 11:38:20
